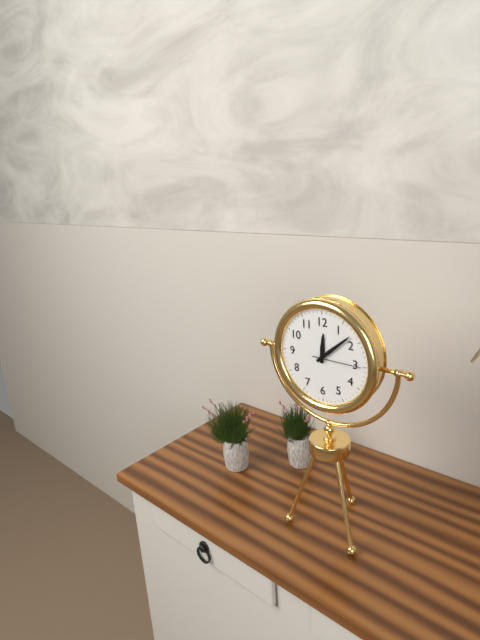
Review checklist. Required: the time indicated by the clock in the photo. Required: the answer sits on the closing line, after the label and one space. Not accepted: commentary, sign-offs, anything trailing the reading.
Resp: 12:08:15
